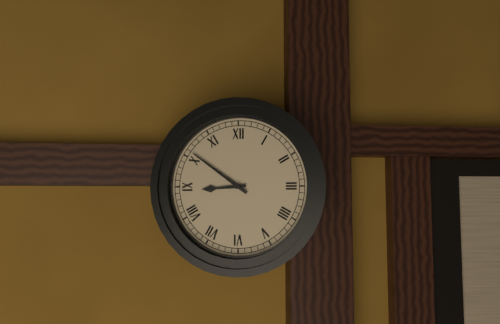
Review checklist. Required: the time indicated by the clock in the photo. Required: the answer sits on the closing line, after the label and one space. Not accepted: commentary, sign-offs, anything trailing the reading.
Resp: 8:51
